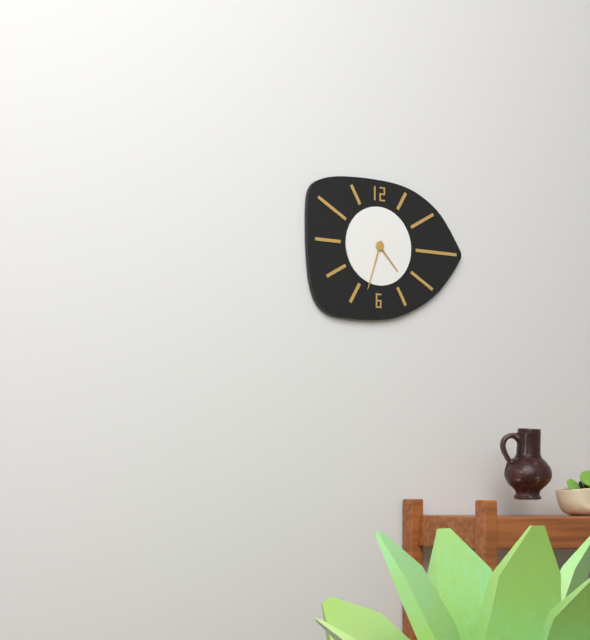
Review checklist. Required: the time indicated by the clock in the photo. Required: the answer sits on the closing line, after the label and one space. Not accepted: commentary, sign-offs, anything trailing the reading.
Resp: 4:33
